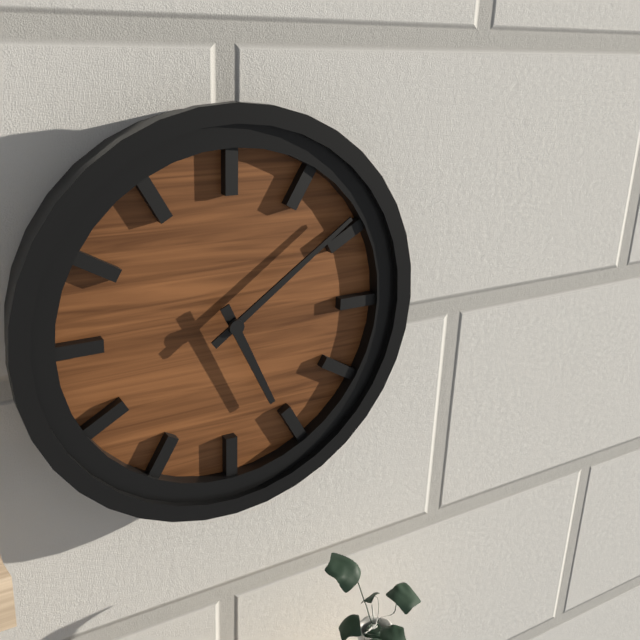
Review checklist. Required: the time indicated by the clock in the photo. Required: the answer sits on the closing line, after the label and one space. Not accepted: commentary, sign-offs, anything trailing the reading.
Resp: 5:09
